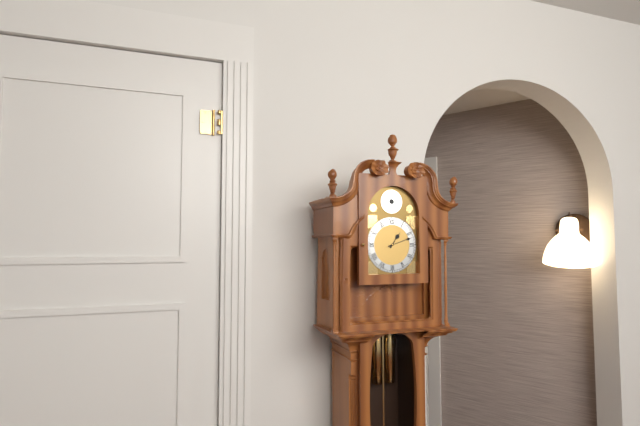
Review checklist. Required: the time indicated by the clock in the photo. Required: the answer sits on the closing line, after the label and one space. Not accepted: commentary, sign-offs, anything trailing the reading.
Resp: 1:12
